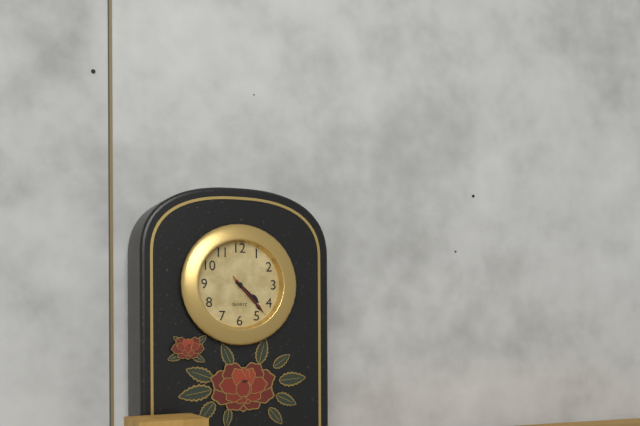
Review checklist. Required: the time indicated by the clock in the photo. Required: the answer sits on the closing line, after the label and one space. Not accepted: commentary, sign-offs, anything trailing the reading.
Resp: 4:23:23
